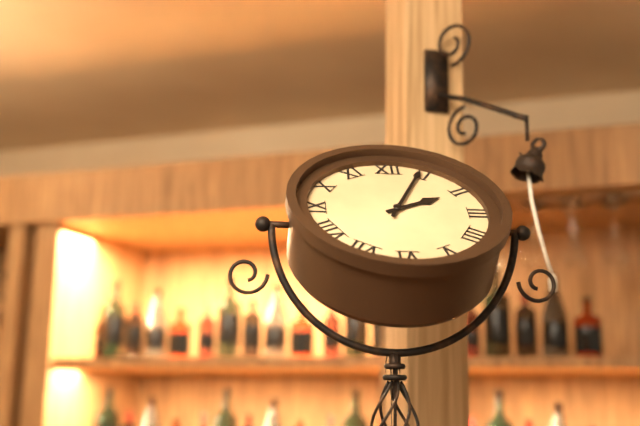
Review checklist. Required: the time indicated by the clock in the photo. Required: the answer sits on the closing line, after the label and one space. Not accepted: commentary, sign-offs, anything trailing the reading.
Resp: 2:04
